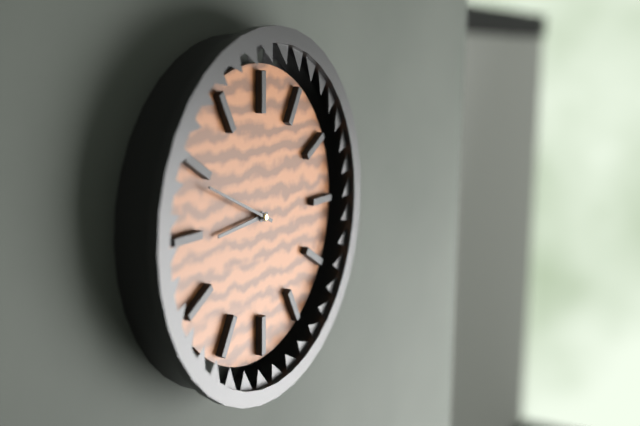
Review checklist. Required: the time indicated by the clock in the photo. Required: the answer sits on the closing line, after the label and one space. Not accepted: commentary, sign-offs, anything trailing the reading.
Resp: 8:49
